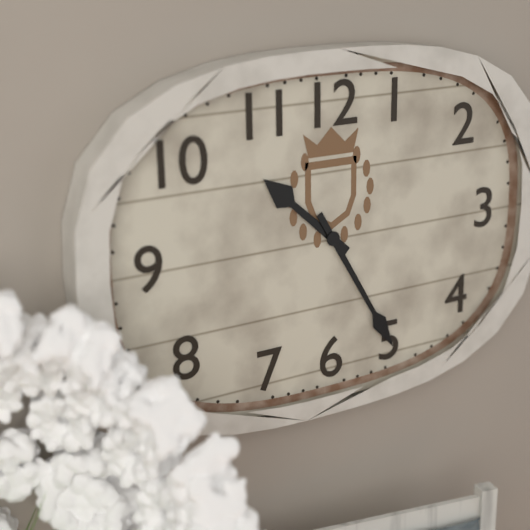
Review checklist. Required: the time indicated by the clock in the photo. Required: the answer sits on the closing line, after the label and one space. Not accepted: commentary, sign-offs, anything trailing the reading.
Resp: 10:25
